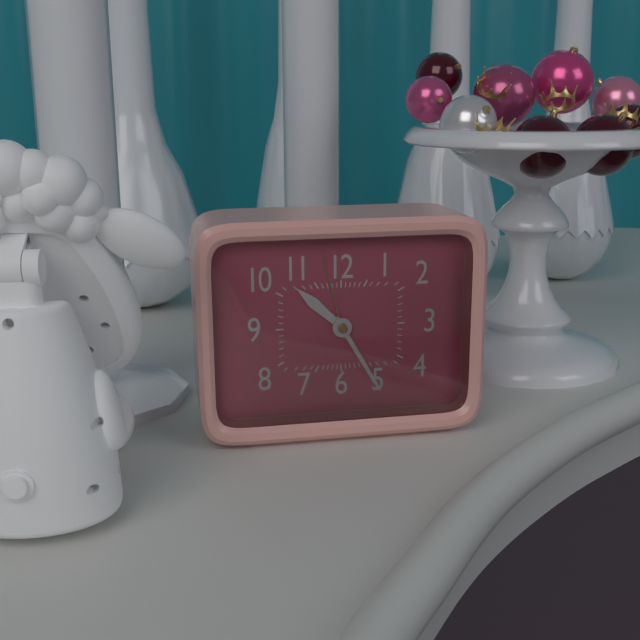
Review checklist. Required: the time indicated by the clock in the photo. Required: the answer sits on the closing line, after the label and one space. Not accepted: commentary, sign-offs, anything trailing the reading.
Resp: 10:25
